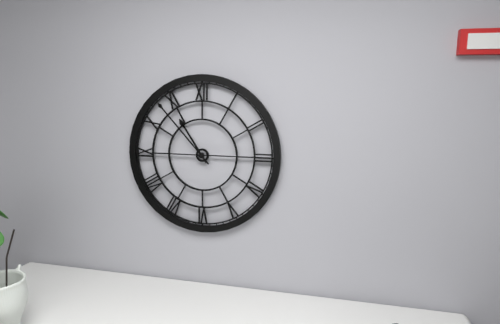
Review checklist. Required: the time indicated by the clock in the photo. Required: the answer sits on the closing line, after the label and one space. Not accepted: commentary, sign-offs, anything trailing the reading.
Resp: 10:53
